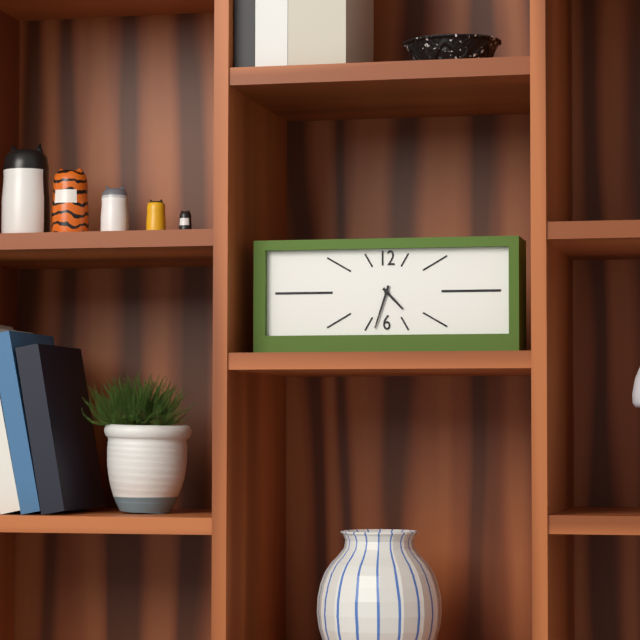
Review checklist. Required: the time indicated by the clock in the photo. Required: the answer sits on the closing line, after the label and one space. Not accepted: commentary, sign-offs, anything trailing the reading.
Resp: 4:33
